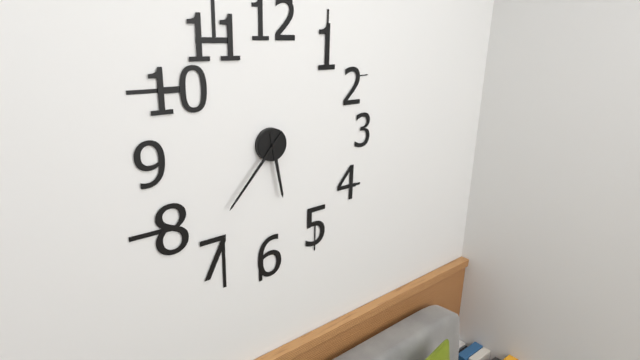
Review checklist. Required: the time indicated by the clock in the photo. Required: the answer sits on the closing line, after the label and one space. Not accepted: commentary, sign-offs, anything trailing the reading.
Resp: 5:37
